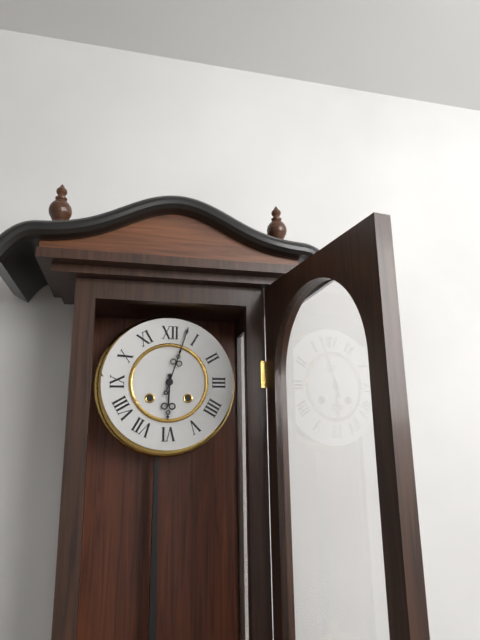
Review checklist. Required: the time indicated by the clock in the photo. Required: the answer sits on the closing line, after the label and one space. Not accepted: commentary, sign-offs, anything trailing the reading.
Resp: 6:03
